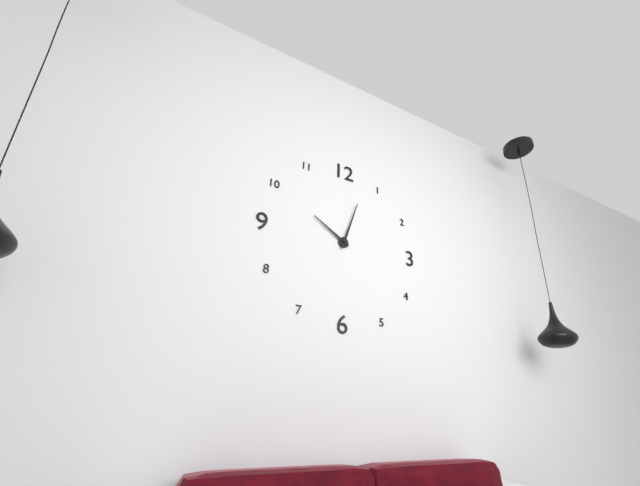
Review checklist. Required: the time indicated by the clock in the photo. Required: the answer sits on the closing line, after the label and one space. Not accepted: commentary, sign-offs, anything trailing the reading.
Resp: 10:03
